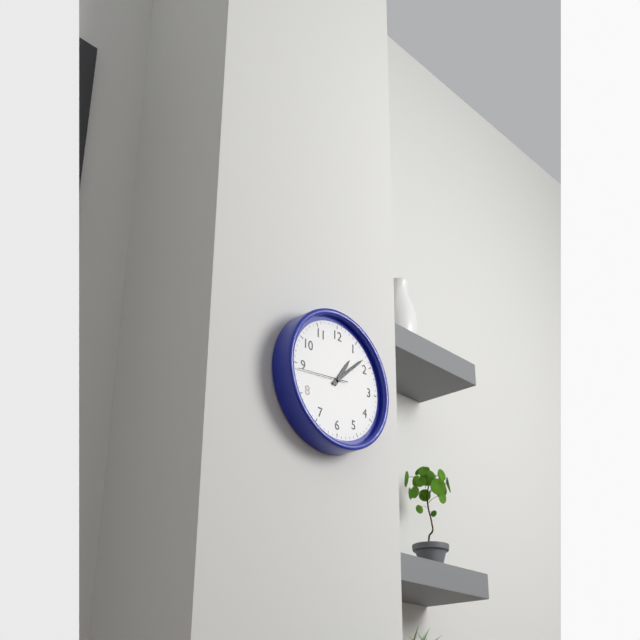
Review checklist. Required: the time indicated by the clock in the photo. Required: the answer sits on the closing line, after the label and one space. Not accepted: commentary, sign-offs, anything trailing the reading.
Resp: 1:08:44
